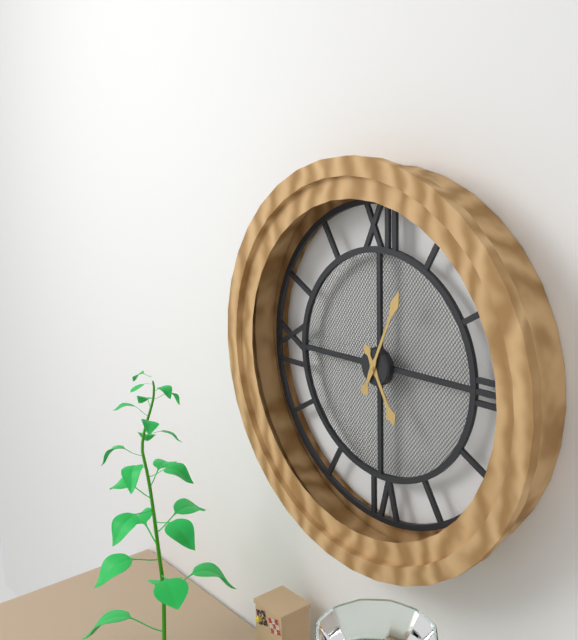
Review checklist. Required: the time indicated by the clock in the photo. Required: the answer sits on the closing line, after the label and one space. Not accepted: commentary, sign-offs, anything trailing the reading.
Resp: 5:04
